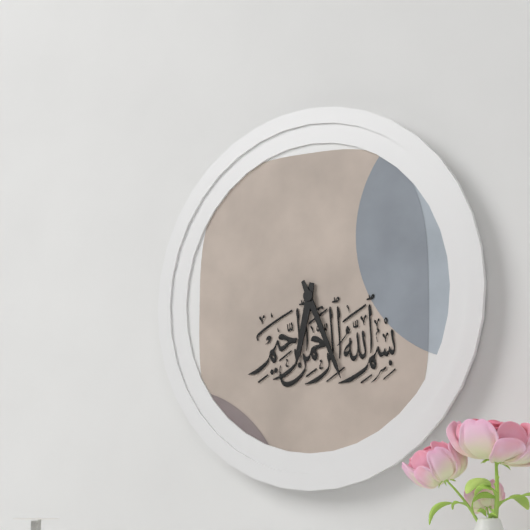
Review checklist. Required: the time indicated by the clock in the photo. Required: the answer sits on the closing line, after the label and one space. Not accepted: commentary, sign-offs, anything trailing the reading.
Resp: 6:26
